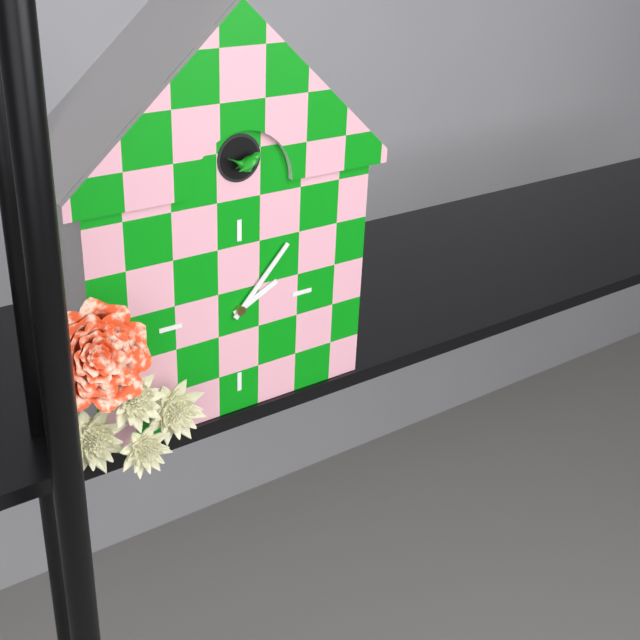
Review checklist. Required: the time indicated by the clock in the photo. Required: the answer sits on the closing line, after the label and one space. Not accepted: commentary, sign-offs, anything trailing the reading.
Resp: 2:07
